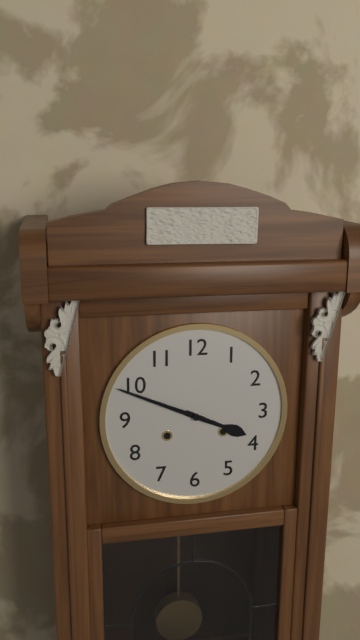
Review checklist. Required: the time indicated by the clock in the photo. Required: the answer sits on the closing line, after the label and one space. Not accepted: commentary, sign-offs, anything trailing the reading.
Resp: 3:49
